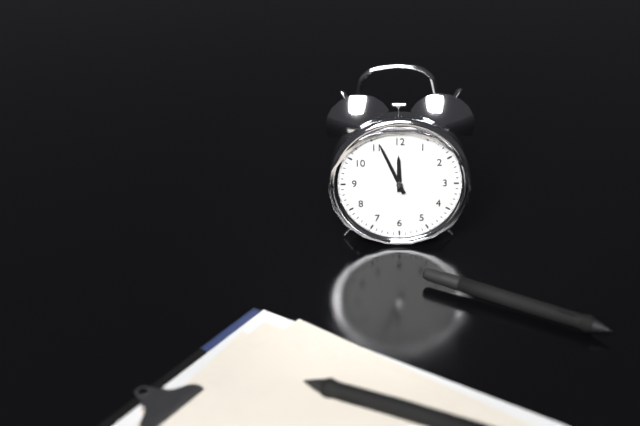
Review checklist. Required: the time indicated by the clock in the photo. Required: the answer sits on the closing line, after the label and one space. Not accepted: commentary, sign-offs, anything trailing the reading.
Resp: 11:56
